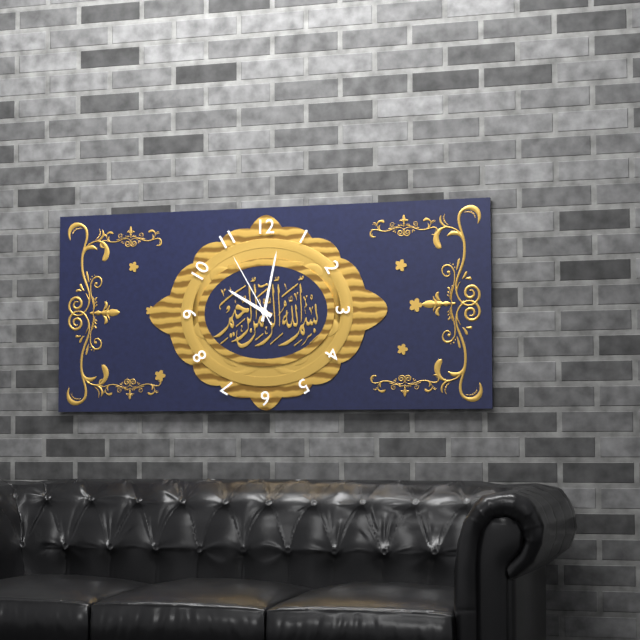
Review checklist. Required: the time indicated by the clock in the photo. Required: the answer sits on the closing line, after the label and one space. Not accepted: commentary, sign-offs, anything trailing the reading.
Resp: 10:02:55
